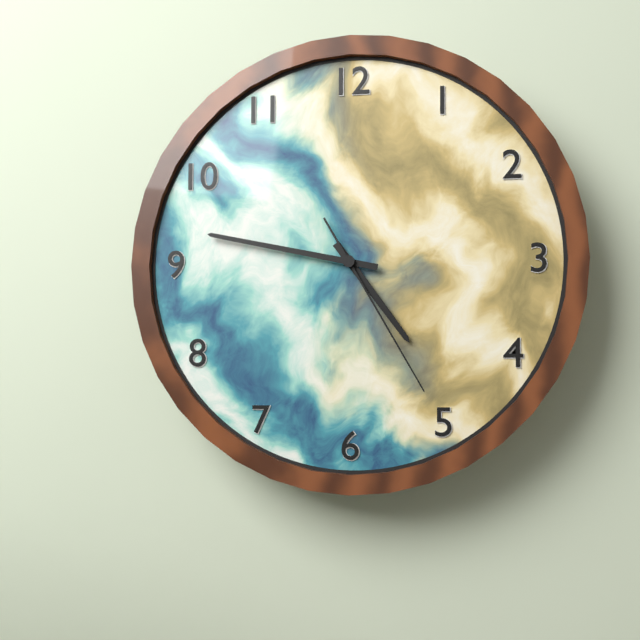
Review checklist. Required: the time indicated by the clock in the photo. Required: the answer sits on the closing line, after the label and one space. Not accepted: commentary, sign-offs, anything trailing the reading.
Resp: 4:47:25
